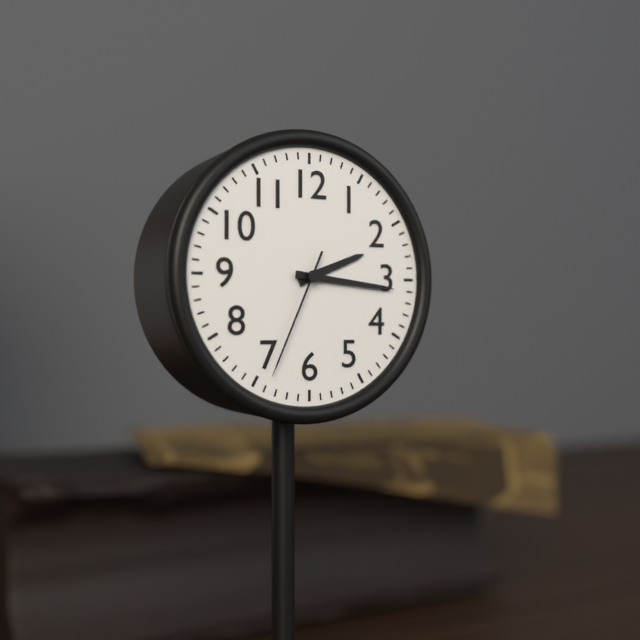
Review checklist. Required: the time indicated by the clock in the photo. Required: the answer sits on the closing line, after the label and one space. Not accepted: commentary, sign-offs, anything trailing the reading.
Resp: 2:16:34
